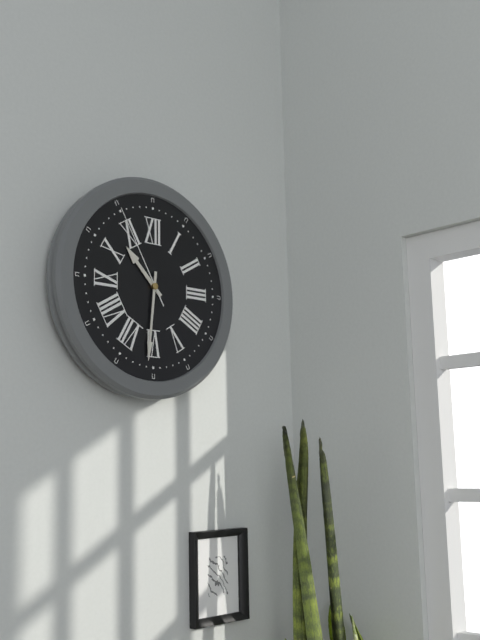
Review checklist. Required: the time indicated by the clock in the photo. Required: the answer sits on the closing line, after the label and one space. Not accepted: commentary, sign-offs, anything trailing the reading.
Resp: 10:31:55
